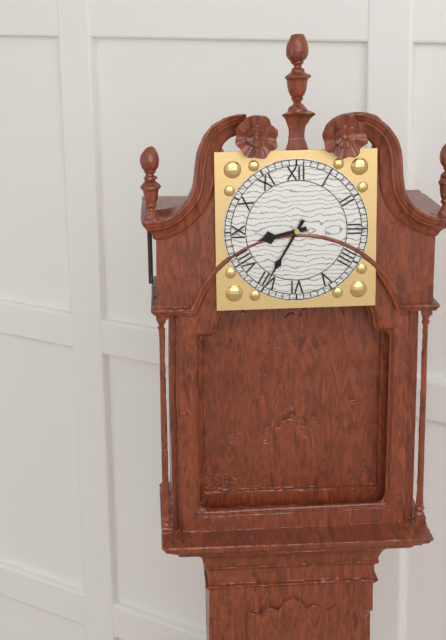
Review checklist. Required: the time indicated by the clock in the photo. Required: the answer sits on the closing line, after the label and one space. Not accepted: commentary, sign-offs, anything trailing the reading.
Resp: 8:35
